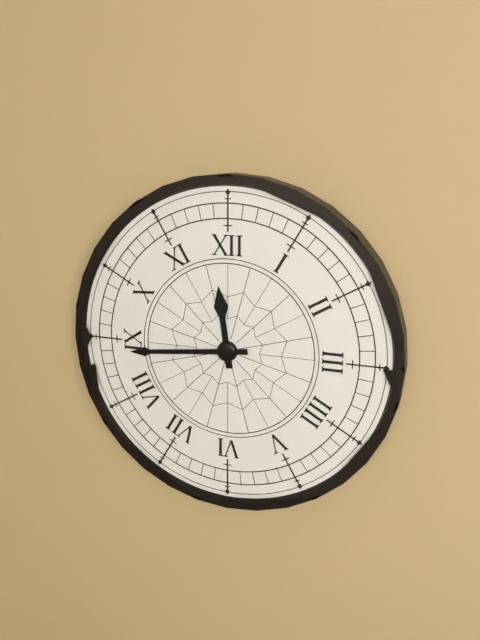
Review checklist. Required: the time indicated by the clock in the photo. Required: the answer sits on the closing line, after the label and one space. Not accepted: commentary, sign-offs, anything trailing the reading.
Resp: 11:44
